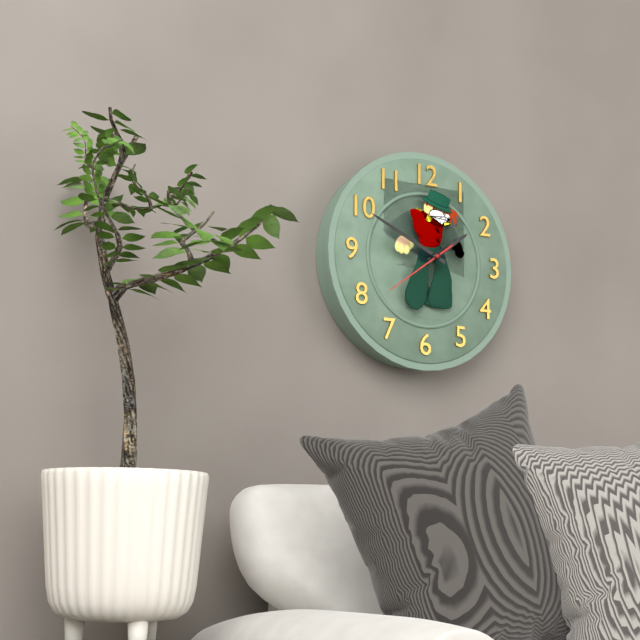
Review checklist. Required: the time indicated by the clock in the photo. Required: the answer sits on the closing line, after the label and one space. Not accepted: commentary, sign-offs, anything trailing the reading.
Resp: 1:49
